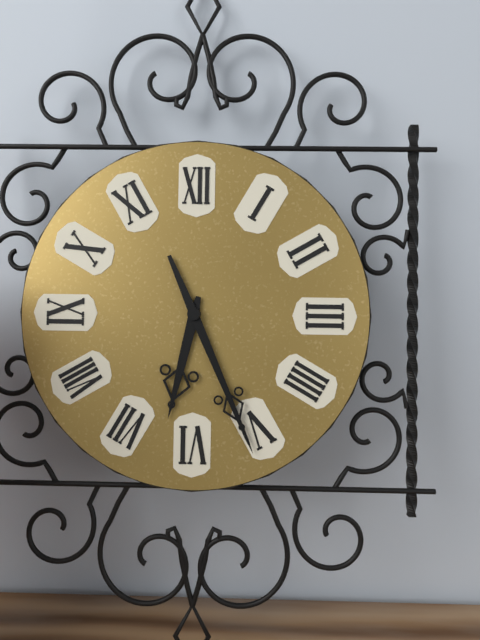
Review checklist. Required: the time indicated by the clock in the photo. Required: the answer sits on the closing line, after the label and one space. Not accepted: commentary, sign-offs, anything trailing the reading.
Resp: 6:26
